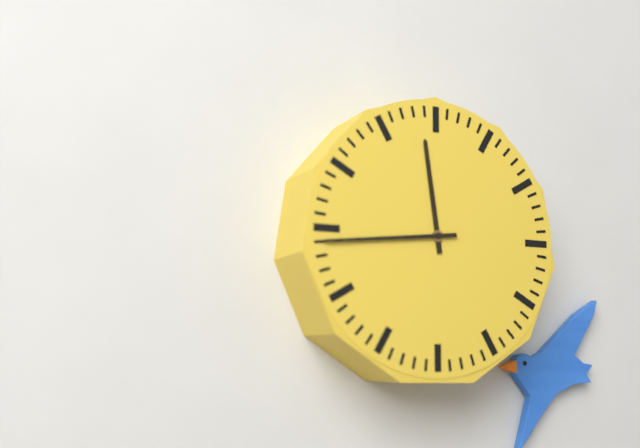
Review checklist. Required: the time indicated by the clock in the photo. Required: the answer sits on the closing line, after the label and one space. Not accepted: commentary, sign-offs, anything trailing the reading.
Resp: 11:44
